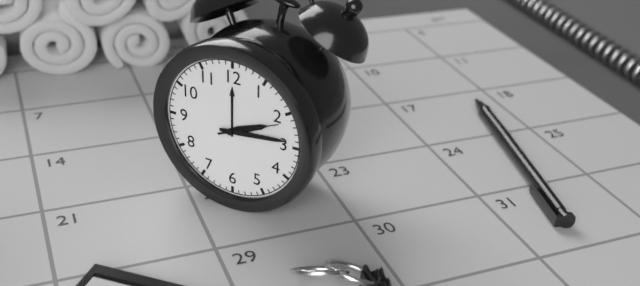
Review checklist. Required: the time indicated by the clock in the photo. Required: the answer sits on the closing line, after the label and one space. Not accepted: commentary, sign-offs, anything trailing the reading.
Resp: 2:14:11
